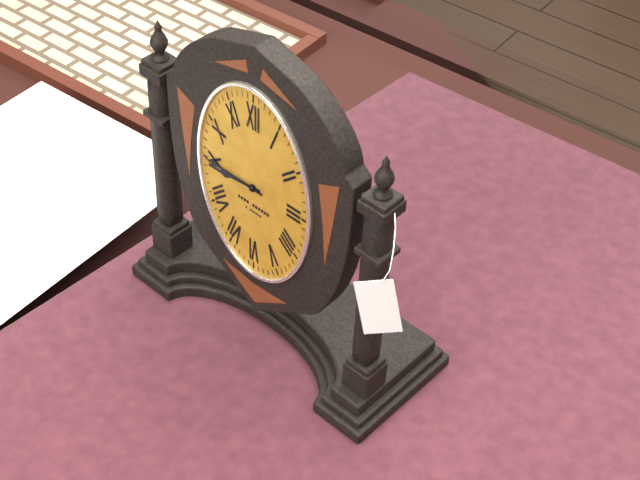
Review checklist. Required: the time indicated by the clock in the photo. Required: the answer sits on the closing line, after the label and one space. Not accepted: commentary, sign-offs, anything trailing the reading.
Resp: 8:45
